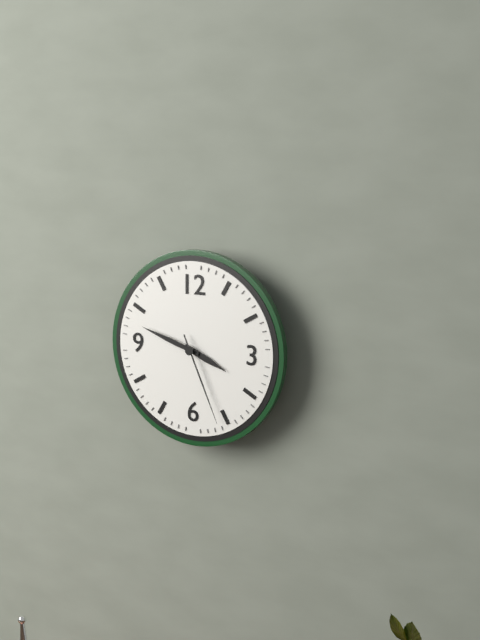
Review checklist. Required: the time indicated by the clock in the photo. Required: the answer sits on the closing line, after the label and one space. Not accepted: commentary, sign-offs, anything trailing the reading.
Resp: 3:48:26
